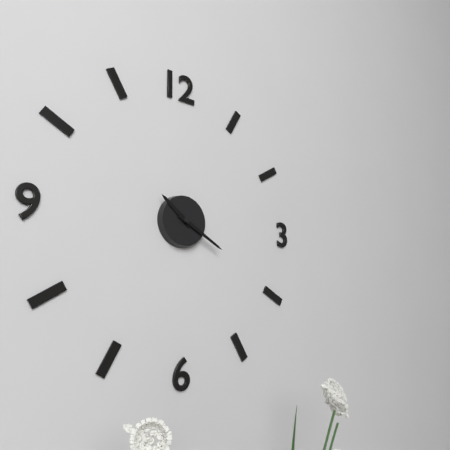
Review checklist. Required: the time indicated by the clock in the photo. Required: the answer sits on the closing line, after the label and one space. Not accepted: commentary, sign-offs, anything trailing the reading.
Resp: 10:20
